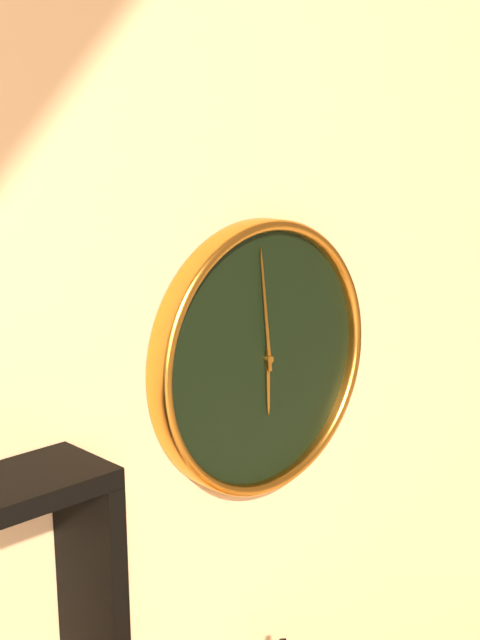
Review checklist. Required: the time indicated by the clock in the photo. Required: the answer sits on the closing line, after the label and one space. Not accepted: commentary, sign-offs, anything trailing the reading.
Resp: 5:59
